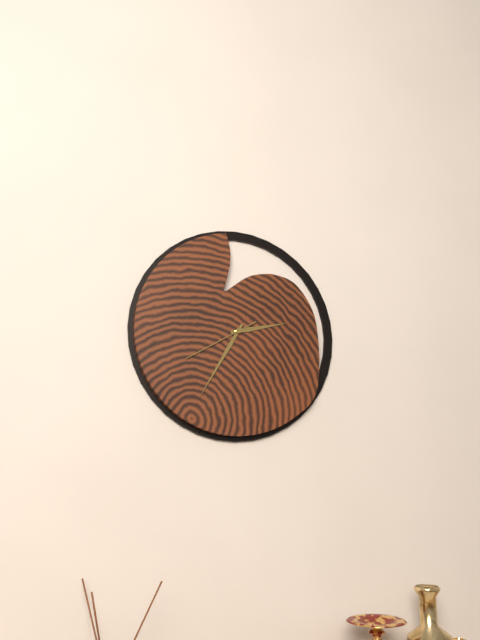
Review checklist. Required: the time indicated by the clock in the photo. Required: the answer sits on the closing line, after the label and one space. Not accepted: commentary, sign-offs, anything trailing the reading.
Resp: 2:35:40
